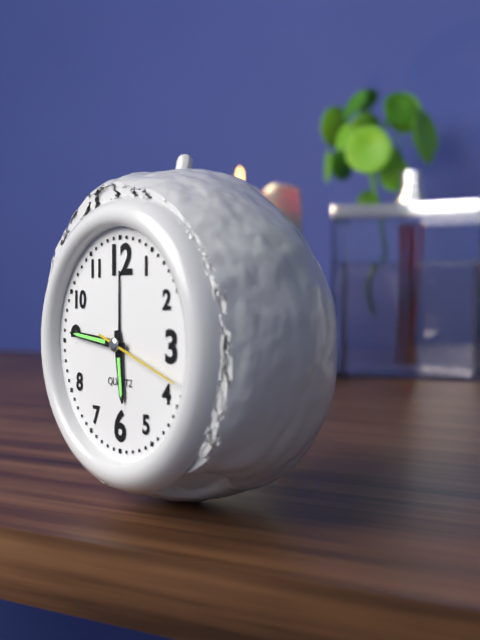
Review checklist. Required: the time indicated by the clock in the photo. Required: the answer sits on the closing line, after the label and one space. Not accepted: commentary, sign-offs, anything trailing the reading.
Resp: 5:46:18
